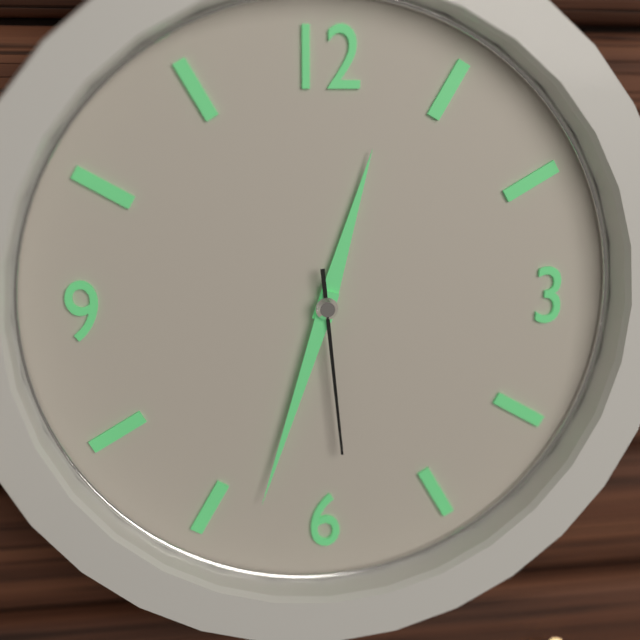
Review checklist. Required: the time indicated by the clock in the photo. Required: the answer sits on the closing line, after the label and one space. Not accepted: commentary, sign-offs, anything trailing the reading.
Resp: 12:33:29
